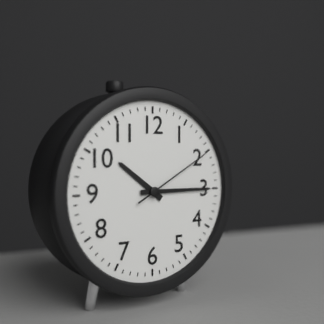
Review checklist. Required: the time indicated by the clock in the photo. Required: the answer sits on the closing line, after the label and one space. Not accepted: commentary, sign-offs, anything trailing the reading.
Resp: 10:15:10
